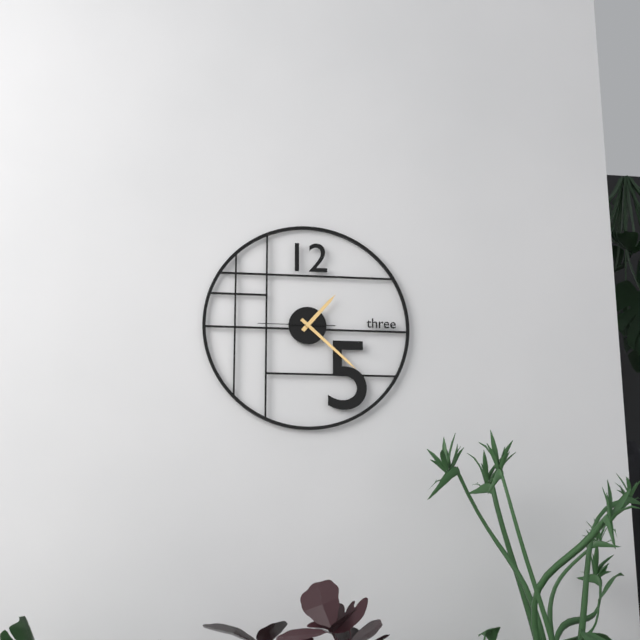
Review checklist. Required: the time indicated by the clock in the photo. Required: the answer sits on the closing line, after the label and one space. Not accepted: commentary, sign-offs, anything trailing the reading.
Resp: 1:22:45
